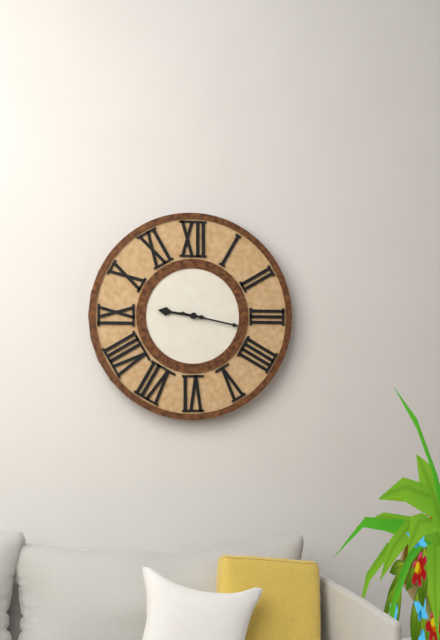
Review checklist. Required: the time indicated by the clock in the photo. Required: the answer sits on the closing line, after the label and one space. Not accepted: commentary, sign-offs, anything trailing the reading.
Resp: 9:17
